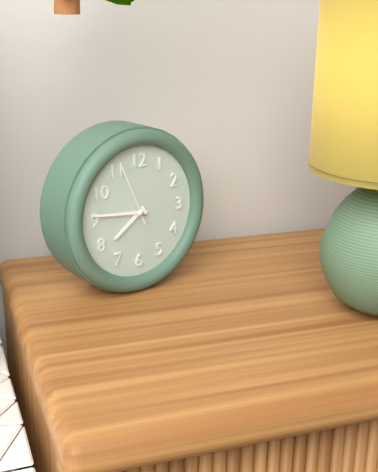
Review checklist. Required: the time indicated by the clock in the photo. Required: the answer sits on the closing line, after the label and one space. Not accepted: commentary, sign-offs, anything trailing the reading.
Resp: 7:46:56
